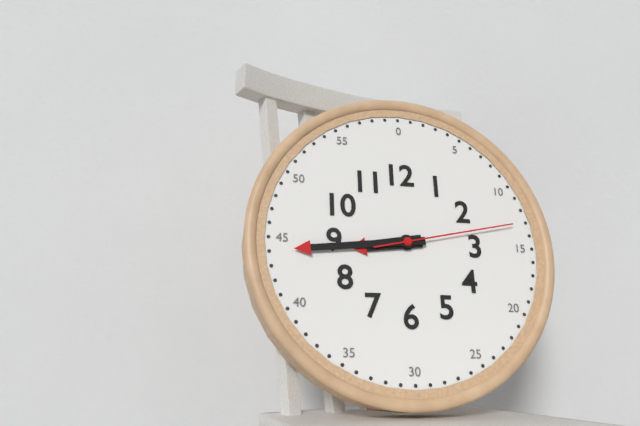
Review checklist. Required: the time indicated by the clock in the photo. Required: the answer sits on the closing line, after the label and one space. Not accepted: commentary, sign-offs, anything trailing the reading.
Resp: 8:44:13
